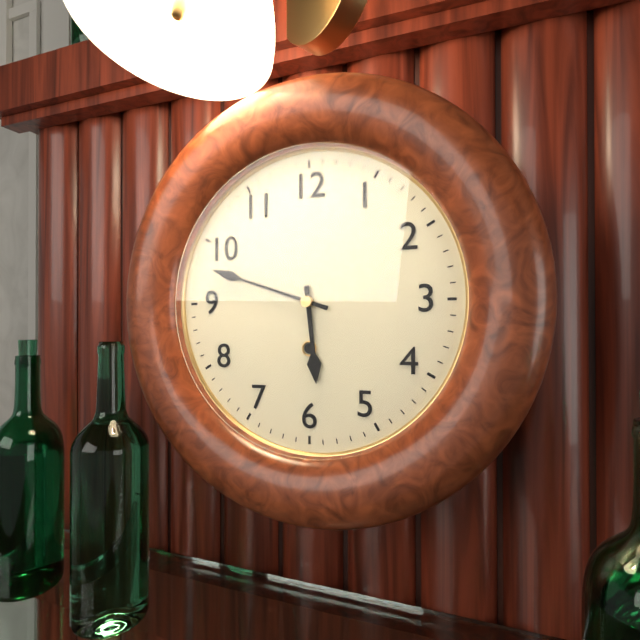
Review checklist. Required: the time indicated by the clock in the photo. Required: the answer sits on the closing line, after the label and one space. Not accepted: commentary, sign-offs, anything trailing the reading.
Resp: 5:48
